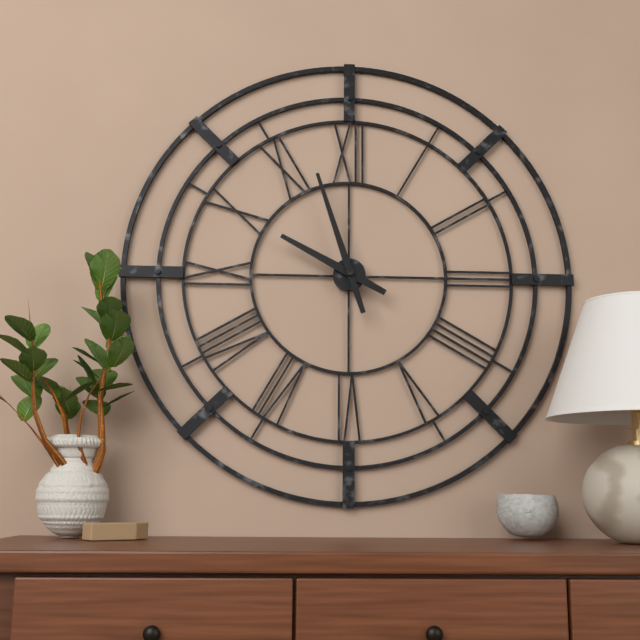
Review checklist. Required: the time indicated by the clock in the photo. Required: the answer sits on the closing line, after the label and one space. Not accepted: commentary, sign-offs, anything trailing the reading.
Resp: 9:57
